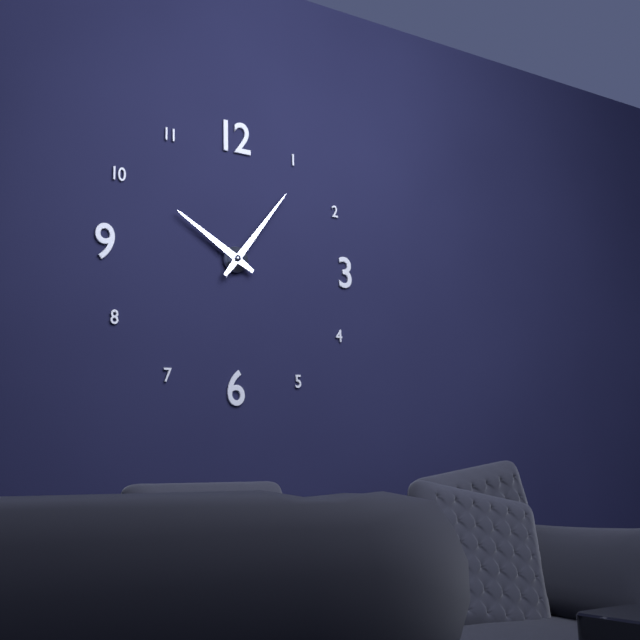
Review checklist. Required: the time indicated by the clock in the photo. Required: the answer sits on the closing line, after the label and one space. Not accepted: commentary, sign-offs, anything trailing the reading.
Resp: 10:06
